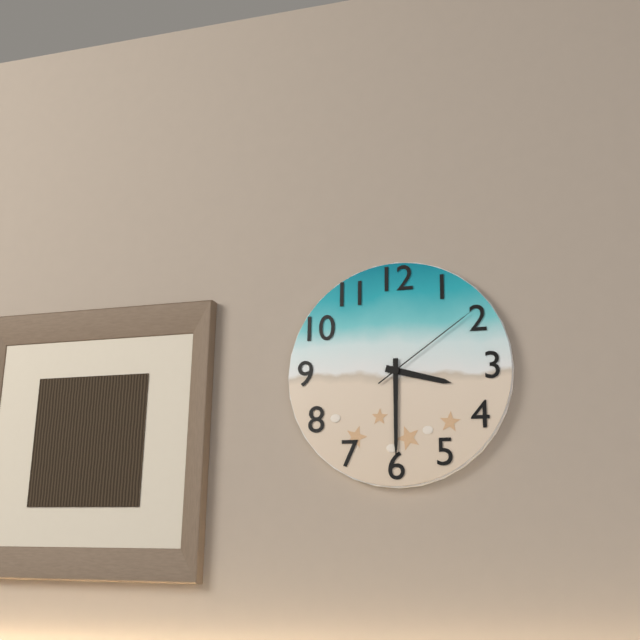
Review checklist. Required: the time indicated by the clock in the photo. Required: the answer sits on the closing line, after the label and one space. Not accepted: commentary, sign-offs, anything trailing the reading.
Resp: 3:30:09
